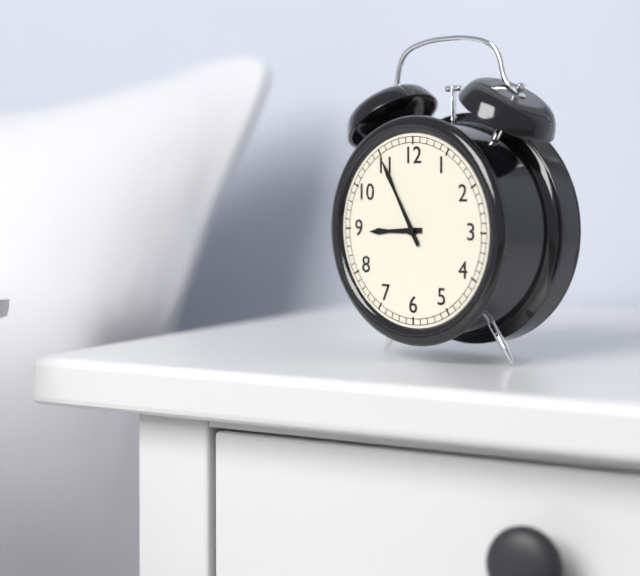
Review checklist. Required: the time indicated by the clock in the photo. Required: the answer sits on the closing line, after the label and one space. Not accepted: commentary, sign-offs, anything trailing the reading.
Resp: 8:55
